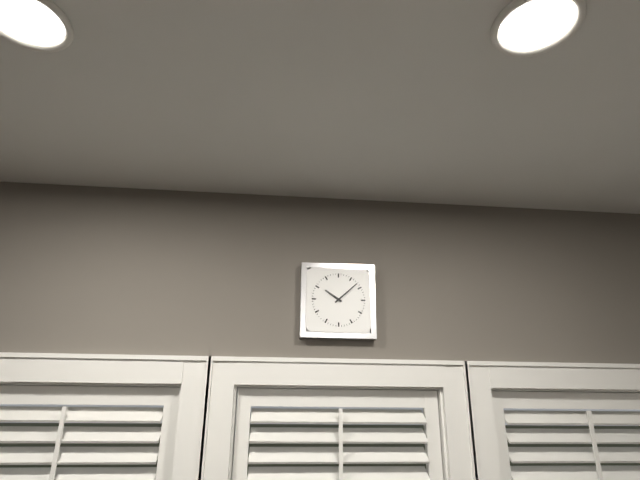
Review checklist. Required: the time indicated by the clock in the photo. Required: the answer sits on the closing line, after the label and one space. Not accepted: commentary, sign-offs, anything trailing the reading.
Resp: 10:08
